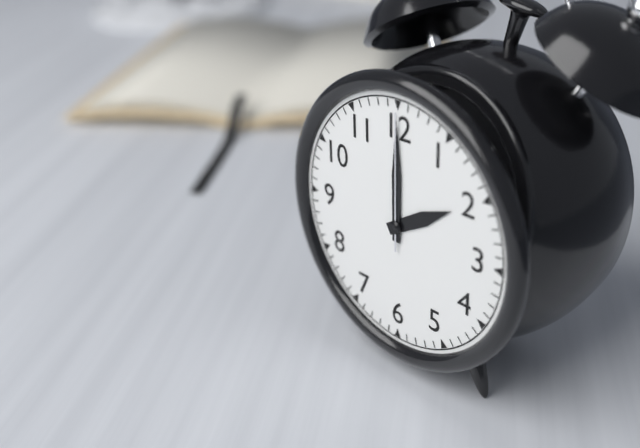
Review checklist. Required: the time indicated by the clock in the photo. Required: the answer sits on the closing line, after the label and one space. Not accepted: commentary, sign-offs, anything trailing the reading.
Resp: 2:00:00
